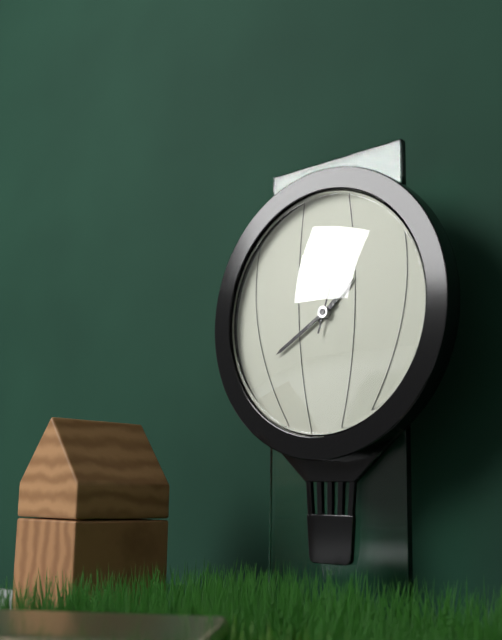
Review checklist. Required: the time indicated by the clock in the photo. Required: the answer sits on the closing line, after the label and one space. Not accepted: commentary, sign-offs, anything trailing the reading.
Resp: 1:40:03
